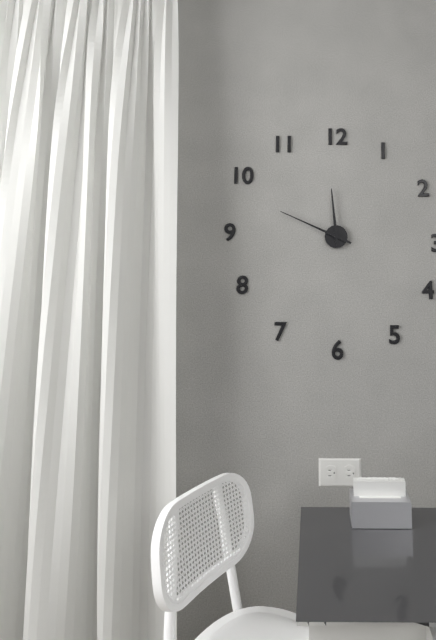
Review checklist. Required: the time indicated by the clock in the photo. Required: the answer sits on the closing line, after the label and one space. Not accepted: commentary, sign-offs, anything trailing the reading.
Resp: 11:49
